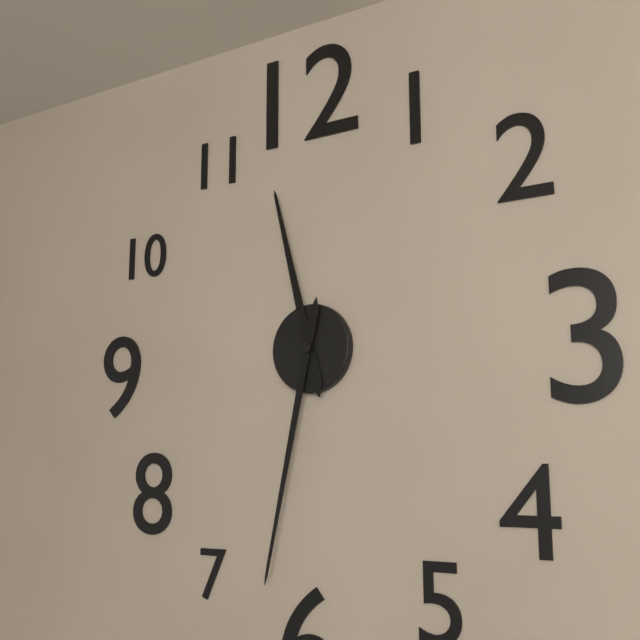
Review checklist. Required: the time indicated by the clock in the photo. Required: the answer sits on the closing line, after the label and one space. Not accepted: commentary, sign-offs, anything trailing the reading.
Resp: 11:32
